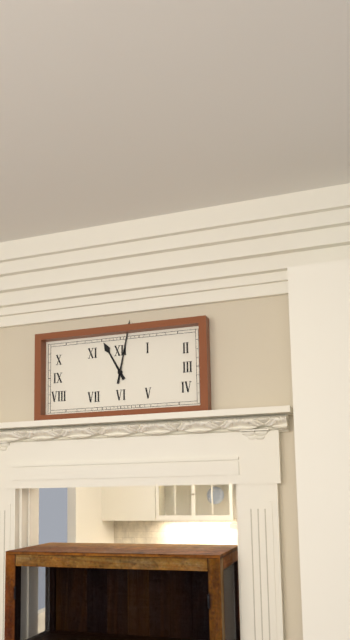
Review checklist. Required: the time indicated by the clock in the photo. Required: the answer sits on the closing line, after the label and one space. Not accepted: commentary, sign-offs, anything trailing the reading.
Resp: 11:02
